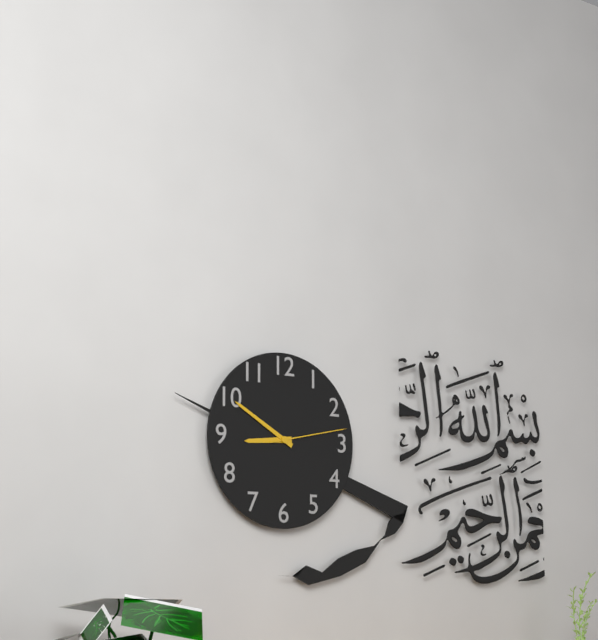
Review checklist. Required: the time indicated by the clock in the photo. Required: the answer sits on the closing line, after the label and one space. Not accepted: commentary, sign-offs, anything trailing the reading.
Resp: 8:50:13
